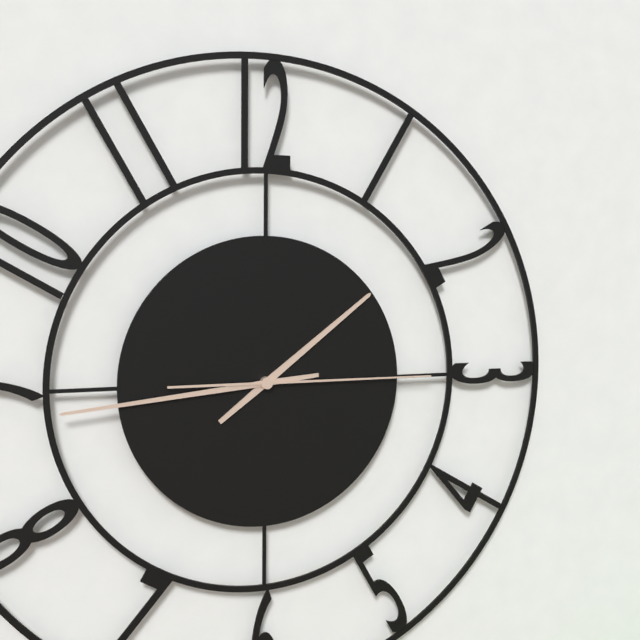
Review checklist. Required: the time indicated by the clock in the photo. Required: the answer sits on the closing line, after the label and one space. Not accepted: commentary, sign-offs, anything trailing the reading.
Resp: 1:44:15
